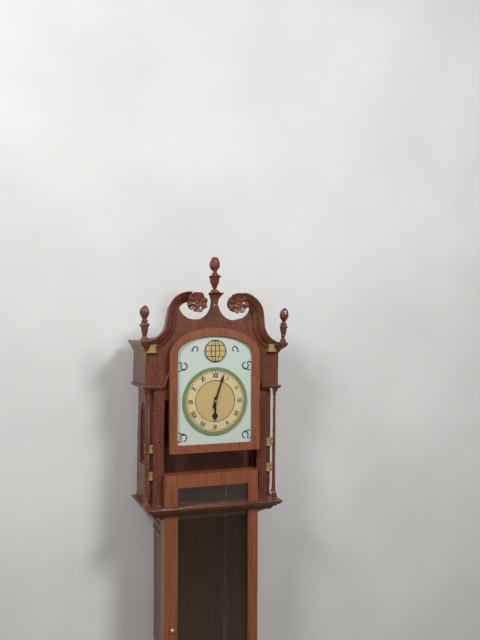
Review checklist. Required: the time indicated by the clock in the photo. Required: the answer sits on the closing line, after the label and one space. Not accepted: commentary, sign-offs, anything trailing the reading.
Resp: 6:03
